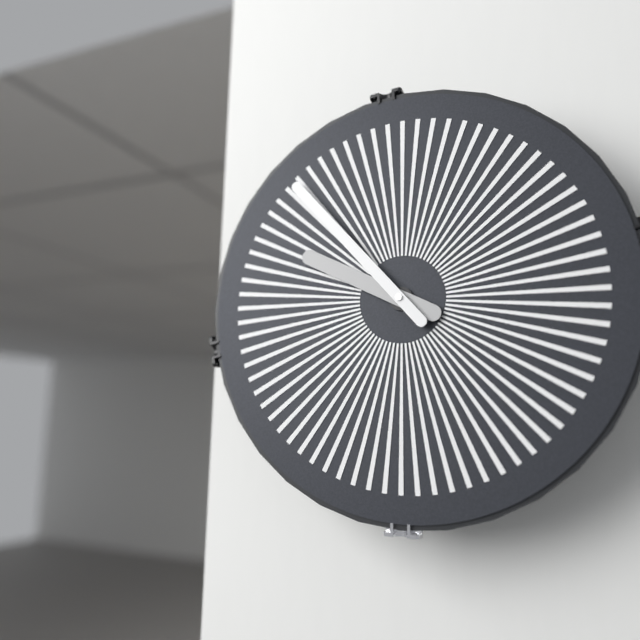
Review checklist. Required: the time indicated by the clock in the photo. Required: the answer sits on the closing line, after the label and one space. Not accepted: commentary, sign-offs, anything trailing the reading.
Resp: 9:53
